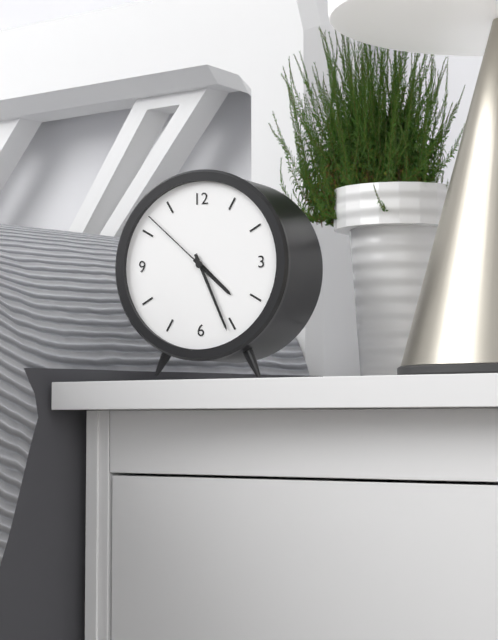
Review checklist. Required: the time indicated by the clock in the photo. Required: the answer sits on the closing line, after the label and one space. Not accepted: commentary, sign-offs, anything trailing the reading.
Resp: 4:26:52
